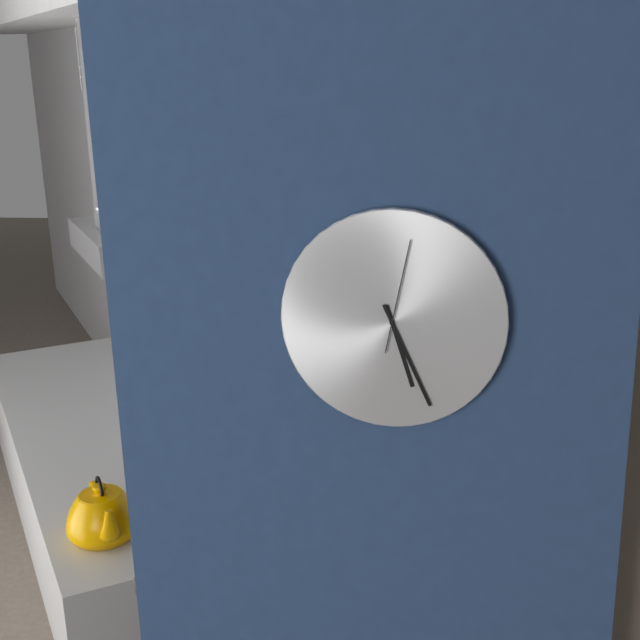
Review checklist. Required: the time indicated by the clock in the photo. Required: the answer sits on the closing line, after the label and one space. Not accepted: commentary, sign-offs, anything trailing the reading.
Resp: 5:26:02
